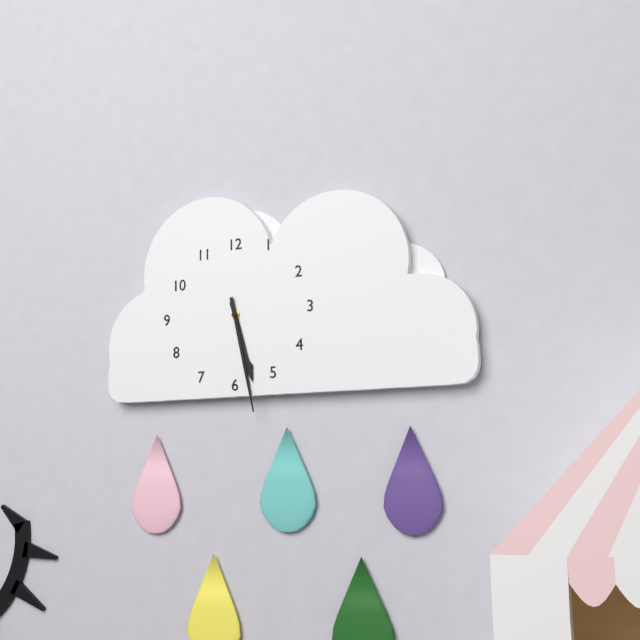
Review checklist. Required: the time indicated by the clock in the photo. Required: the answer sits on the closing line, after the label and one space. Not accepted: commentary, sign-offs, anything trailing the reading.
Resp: 5:28
